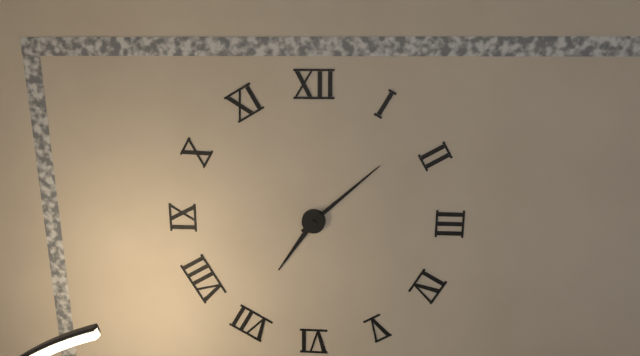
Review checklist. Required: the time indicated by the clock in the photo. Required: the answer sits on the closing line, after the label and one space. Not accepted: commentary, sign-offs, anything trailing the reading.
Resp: 7:08
